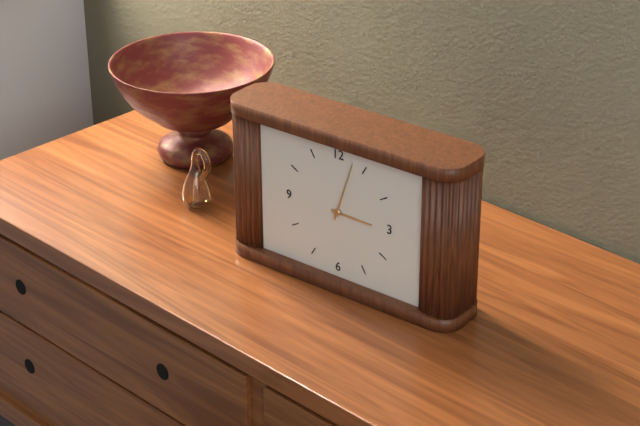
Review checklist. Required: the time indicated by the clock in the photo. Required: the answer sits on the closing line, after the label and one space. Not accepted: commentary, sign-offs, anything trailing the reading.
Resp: 3:03
